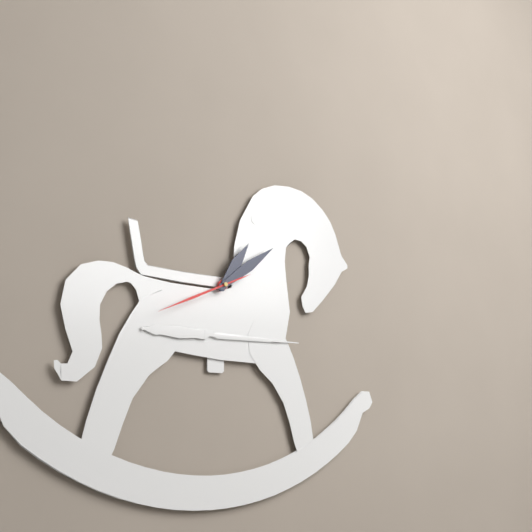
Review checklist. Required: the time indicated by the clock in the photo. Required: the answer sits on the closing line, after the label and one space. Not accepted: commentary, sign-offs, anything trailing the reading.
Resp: 1:09:41
